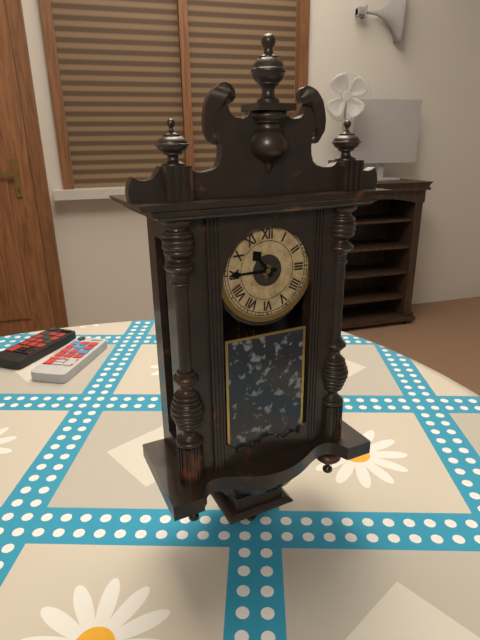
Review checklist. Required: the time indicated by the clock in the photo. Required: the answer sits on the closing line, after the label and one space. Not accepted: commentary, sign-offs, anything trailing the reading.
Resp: 10:45
